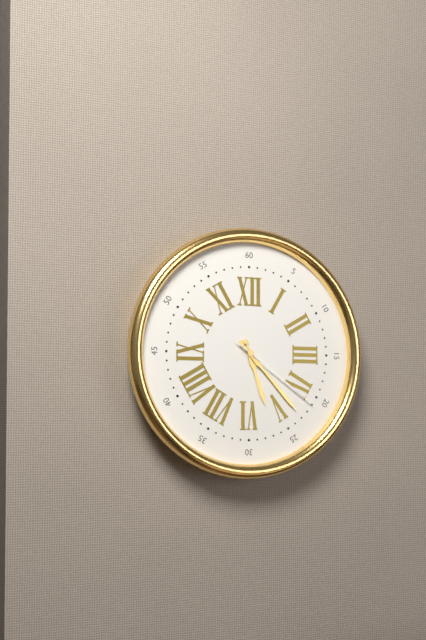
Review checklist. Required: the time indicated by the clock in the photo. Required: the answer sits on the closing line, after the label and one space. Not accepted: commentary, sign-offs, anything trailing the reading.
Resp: 5:23:21
